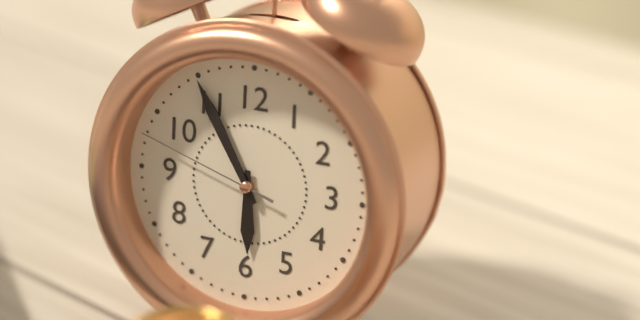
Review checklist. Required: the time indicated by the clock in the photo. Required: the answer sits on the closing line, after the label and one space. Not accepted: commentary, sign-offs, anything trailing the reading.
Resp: 5:55:48
